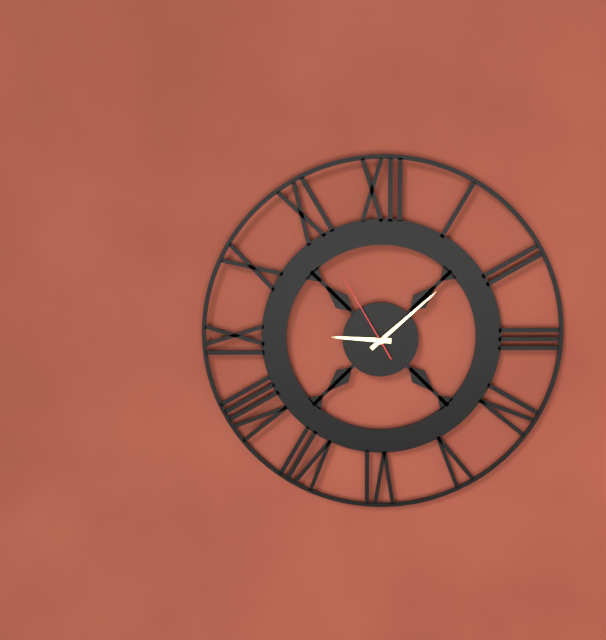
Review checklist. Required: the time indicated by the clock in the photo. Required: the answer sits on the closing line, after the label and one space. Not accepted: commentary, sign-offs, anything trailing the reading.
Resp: 9:08:55
